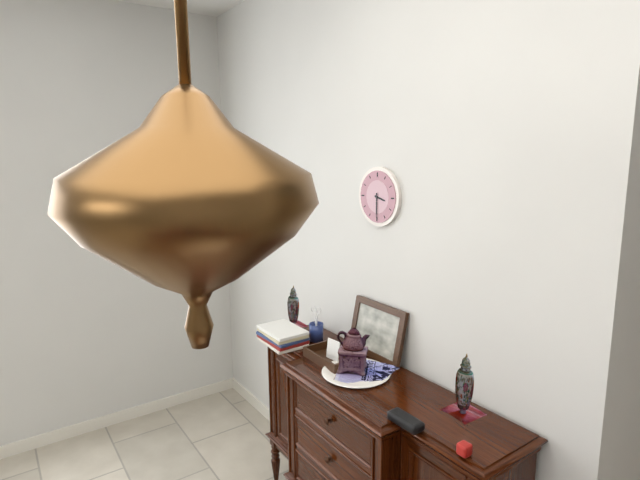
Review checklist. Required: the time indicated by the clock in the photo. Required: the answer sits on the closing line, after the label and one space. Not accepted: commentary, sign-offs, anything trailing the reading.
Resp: 3:30
